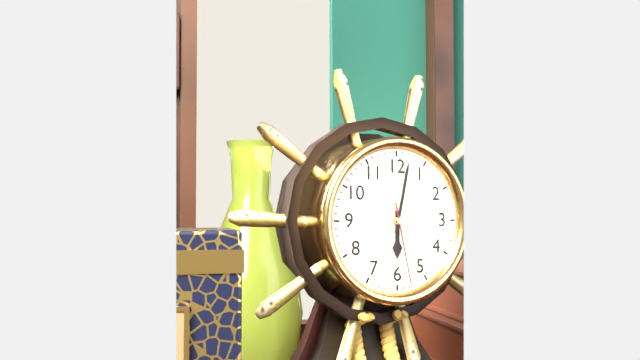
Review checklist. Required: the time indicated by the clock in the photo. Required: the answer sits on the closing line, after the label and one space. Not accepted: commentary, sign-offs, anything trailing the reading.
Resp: 6:02:28
